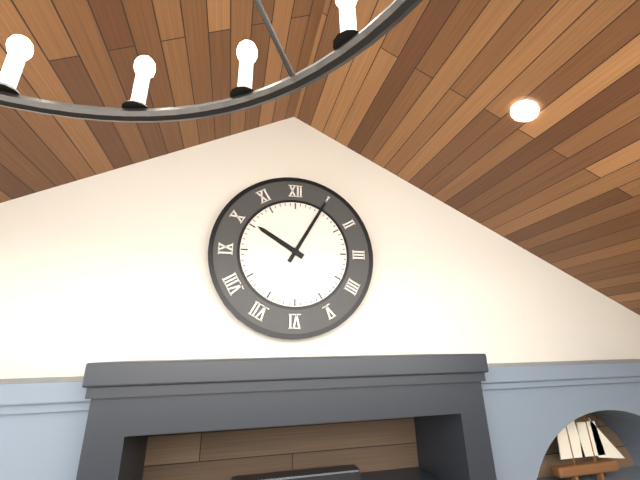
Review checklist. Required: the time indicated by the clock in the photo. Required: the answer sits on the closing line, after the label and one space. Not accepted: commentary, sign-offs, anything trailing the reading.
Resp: 10:05
